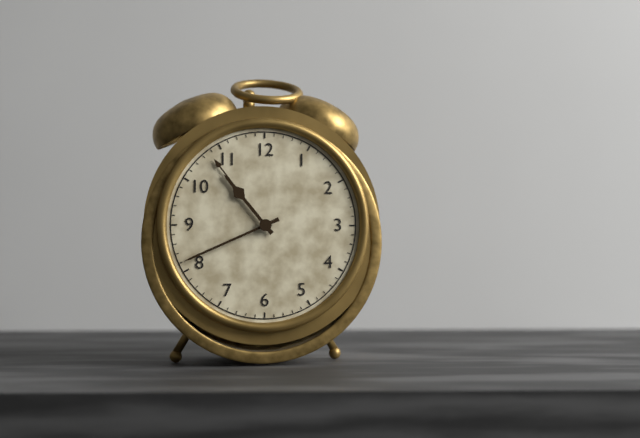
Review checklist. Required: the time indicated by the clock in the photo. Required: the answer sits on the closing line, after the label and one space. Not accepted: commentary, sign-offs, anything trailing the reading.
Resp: 10:41
